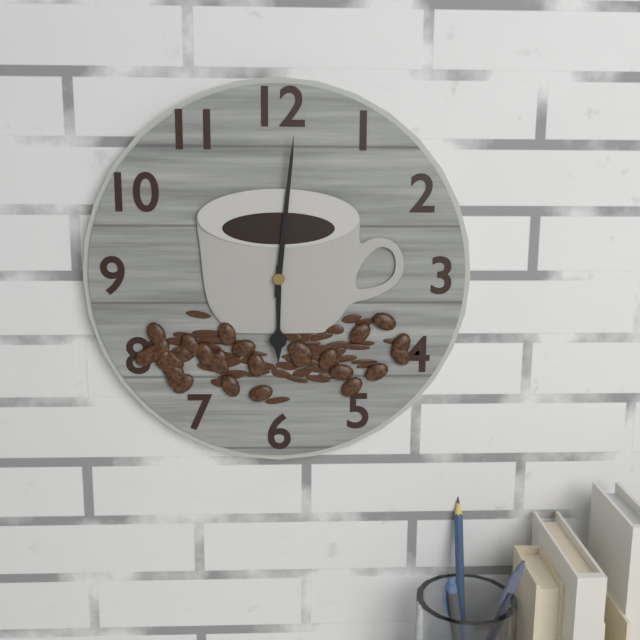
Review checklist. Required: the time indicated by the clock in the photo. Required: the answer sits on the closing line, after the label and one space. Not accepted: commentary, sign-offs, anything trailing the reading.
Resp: 6:01
